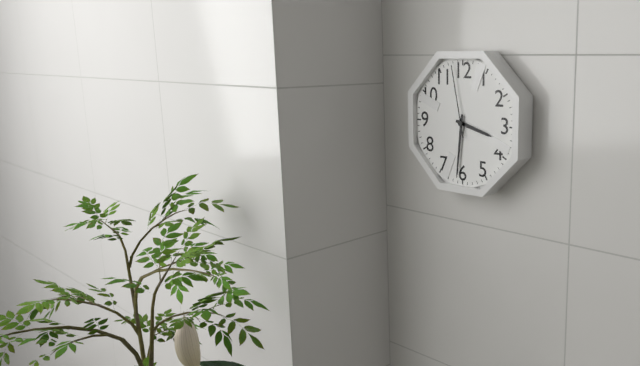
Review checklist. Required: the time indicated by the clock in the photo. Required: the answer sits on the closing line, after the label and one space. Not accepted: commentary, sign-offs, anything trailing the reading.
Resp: 3:31:58
